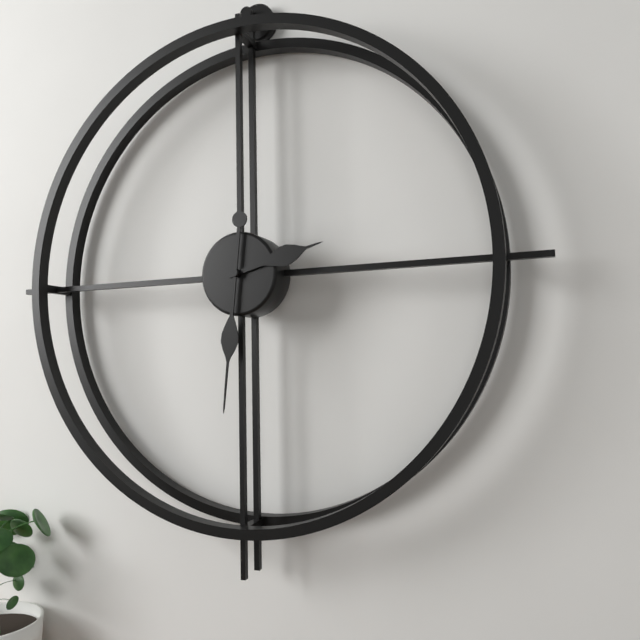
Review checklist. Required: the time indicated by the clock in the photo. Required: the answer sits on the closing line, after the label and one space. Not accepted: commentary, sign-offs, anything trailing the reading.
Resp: 2:31
